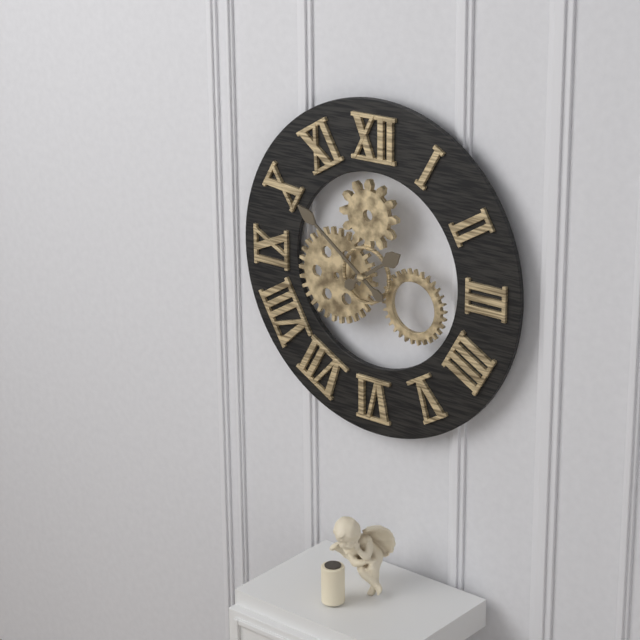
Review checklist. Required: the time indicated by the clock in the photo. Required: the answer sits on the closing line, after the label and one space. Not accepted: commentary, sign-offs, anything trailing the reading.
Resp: 1:51
